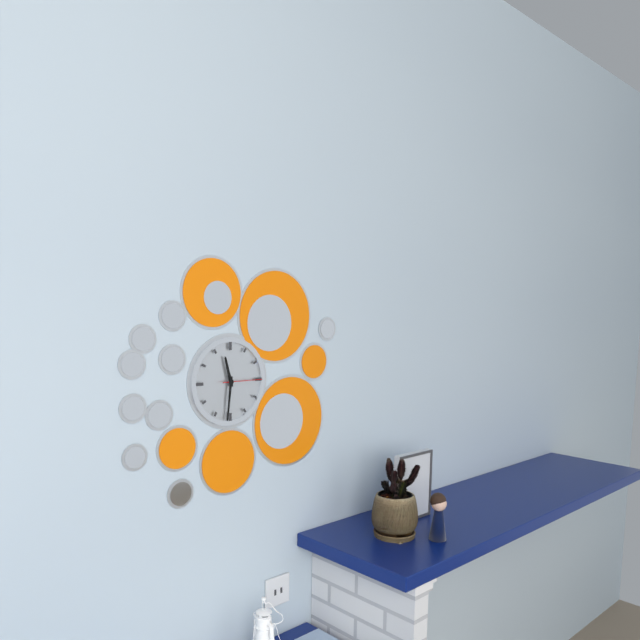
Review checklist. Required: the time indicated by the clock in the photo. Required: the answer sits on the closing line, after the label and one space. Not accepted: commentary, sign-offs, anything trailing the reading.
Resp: 11:31
